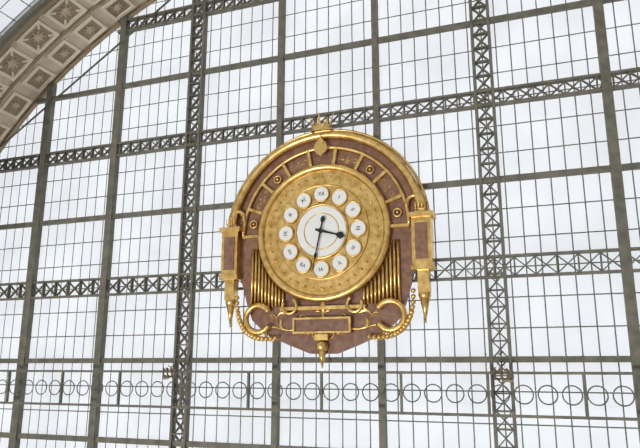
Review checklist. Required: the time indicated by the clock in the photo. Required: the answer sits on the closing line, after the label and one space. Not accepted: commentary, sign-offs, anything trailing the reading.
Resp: 3:32
